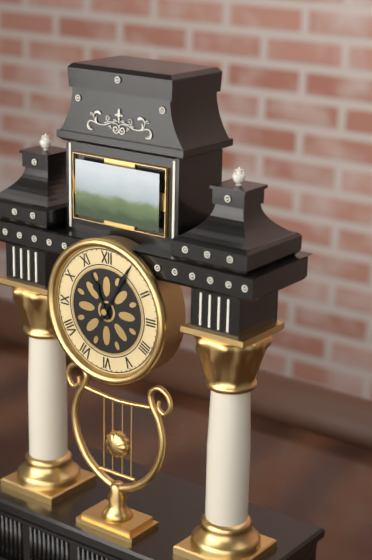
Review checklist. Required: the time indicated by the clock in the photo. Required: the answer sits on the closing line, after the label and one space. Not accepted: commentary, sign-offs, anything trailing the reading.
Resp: 11:05
